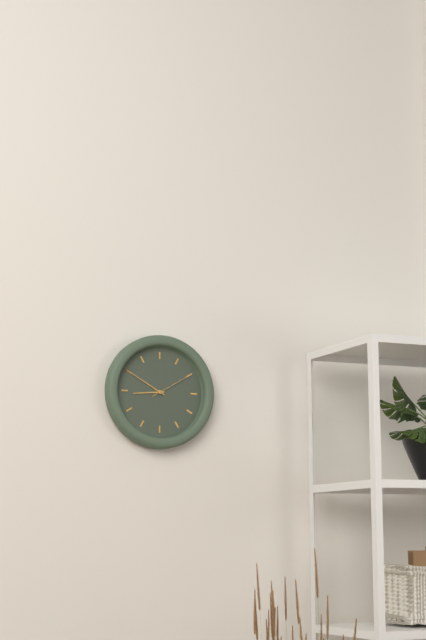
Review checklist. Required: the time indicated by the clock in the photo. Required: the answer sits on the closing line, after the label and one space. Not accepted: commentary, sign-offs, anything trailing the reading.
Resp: 8:50
